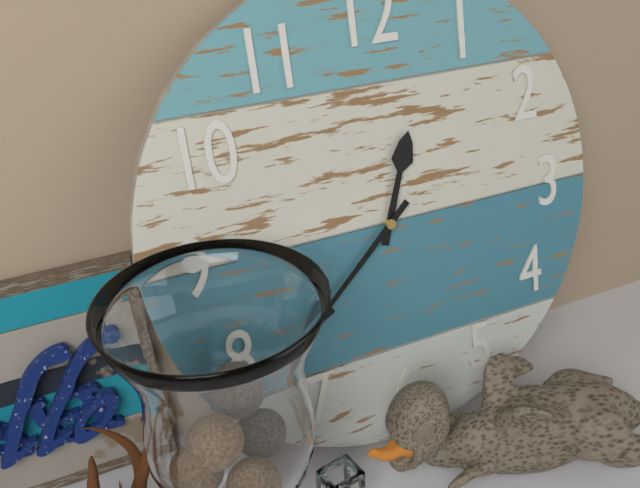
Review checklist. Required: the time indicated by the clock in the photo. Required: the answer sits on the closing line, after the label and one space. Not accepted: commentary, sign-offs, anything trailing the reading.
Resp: 12:38
